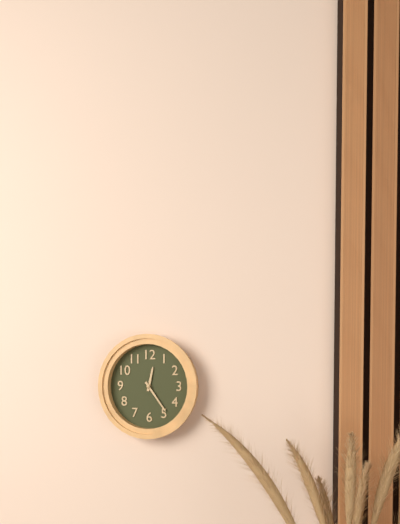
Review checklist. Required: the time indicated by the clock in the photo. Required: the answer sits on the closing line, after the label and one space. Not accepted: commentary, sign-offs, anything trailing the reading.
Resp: 12:24
